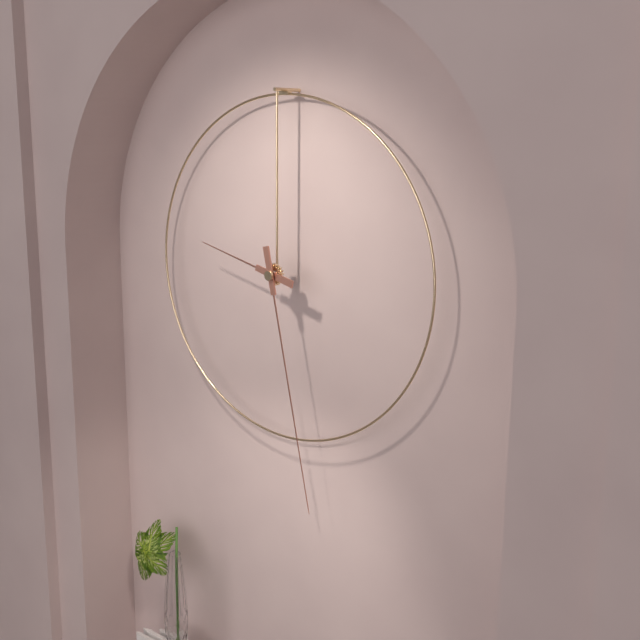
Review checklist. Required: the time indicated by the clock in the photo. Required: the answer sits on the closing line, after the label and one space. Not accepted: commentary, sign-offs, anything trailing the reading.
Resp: 9:28
